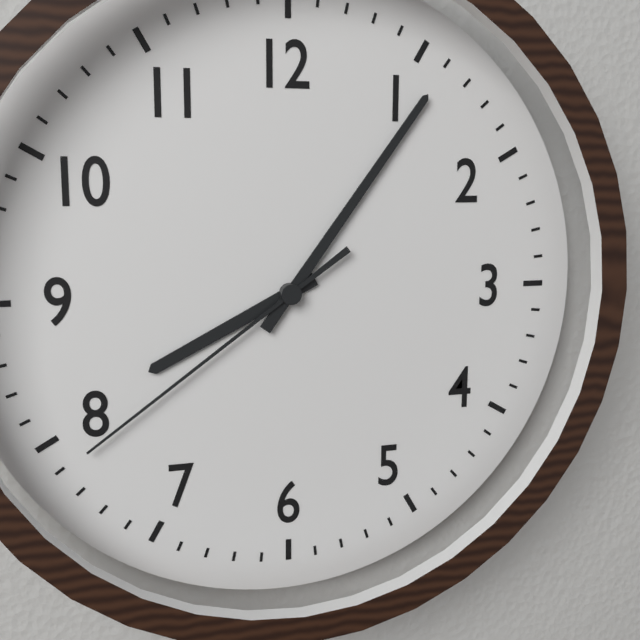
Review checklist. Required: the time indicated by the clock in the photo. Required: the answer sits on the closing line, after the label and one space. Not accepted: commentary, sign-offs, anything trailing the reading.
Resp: 8:06:39
